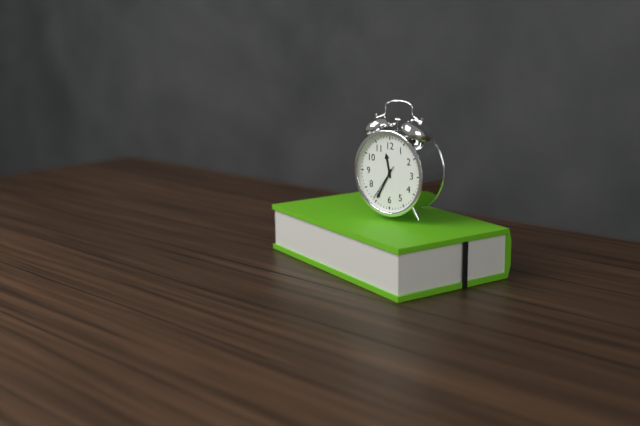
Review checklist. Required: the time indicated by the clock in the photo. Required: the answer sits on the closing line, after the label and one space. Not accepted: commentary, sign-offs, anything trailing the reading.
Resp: 11:35
